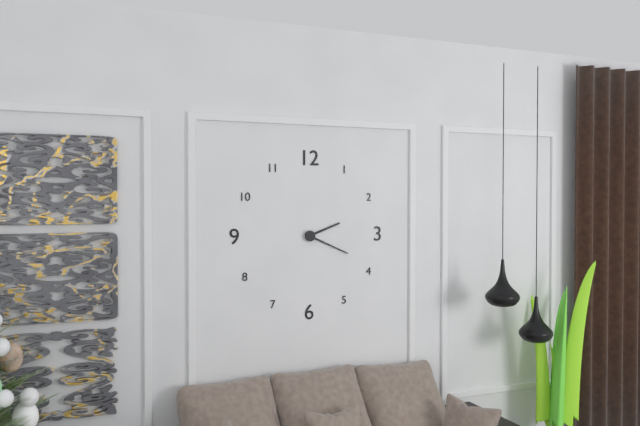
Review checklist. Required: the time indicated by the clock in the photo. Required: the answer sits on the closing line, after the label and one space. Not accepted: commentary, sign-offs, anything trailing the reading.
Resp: 2:19
